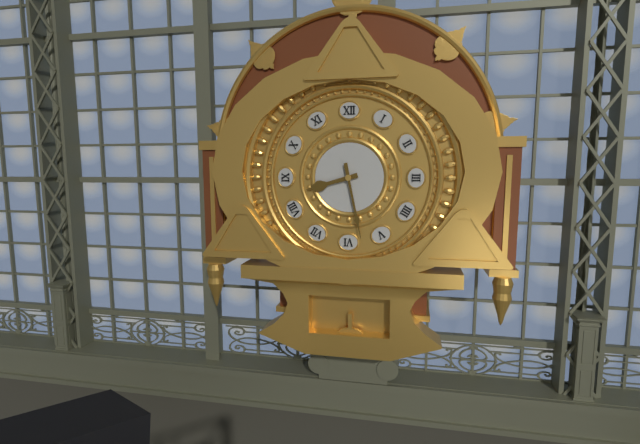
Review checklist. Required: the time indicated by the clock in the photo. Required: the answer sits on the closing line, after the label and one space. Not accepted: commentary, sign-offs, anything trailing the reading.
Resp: 8:28
